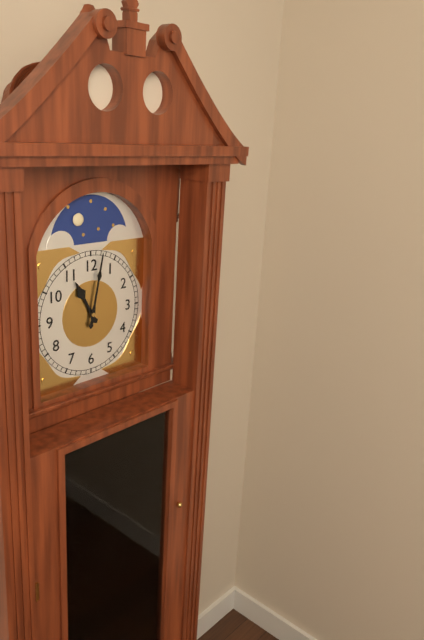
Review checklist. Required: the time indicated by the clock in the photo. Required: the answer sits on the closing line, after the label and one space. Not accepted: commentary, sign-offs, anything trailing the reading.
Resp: 11:02
